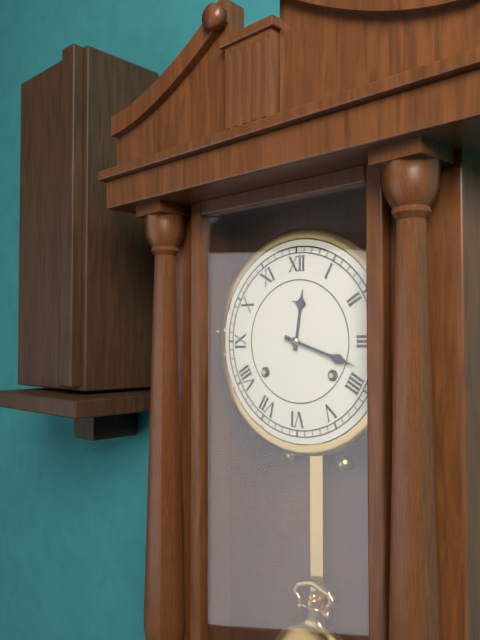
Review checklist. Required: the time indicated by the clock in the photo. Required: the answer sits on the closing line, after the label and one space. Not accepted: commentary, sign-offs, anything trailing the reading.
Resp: 12:18
